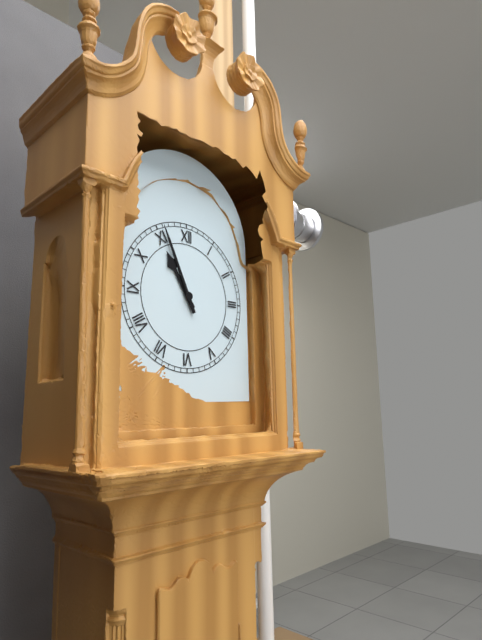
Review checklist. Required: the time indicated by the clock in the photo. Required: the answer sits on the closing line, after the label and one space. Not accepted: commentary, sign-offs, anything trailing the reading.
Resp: 10:56
